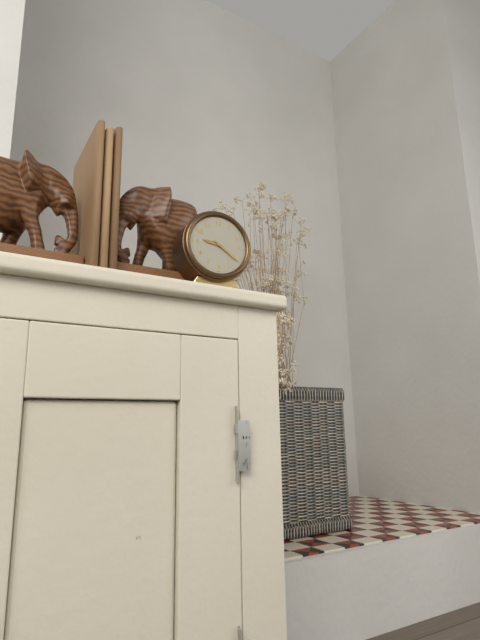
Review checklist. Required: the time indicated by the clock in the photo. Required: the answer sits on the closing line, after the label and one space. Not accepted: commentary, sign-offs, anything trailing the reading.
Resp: 9:21
